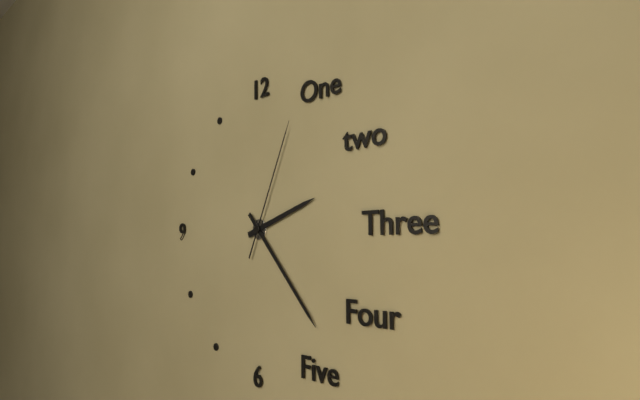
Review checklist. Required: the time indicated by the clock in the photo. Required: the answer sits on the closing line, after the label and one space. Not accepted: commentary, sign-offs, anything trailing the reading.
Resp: 2:23:04
